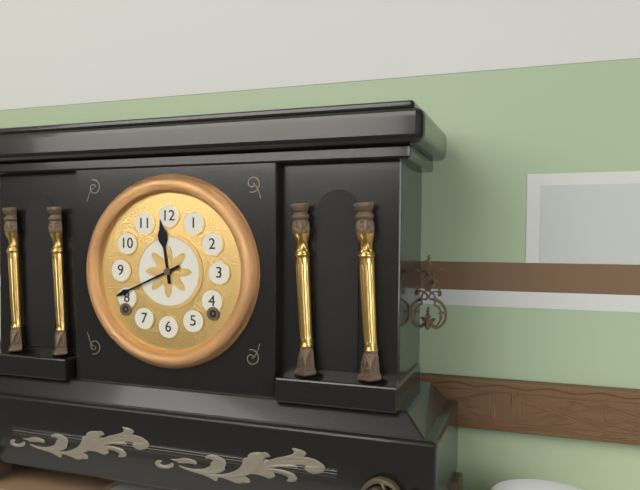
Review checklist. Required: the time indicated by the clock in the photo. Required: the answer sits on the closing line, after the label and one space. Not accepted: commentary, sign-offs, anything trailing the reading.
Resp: 11:41
